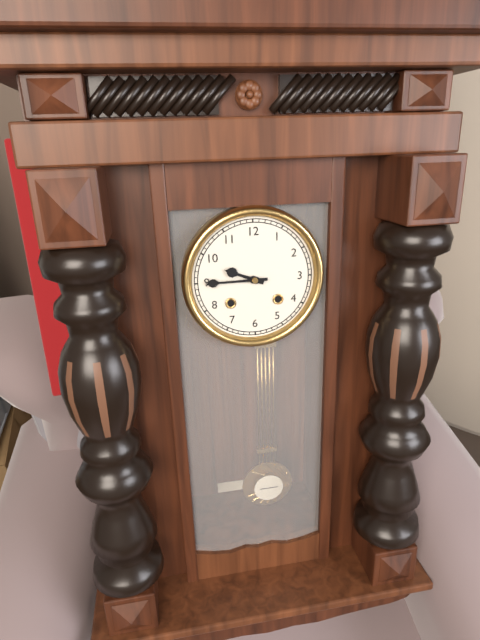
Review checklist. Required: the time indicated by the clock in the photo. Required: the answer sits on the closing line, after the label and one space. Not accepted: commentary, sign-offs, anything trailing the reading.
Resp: 9:45
